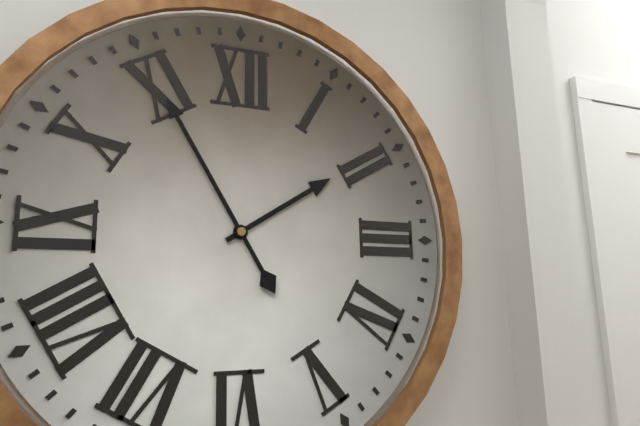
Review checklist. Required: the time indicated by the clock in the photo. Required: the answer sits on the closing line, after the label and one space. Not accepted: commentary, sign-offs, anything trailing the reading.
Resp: 1:55
